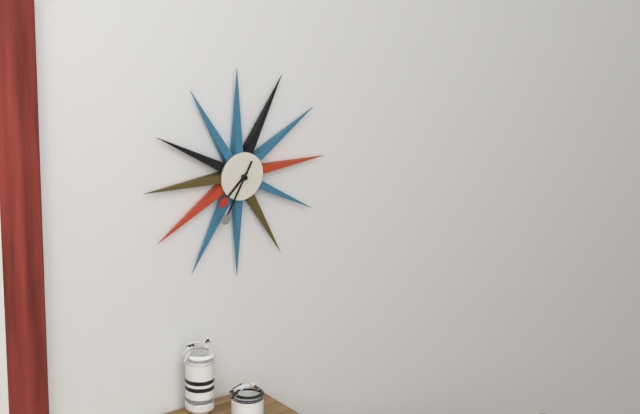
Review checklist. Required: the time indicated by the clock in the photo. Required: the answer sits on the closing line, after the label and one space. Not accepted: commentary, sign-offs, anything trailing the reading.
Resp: 7:35
